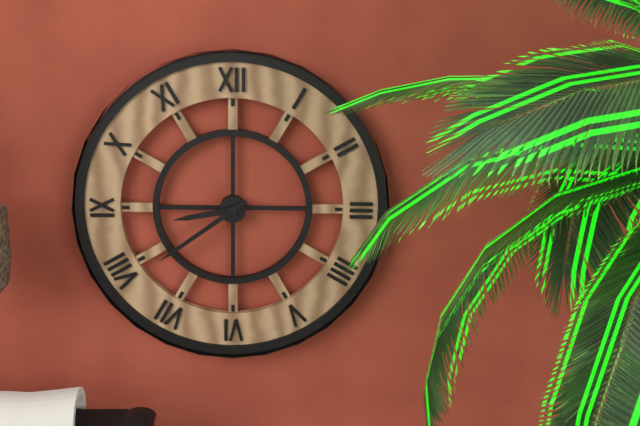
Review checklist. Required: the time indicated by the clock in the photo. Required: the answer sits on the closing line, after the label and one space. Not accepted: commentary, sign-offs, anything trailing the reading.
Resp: 8:39
